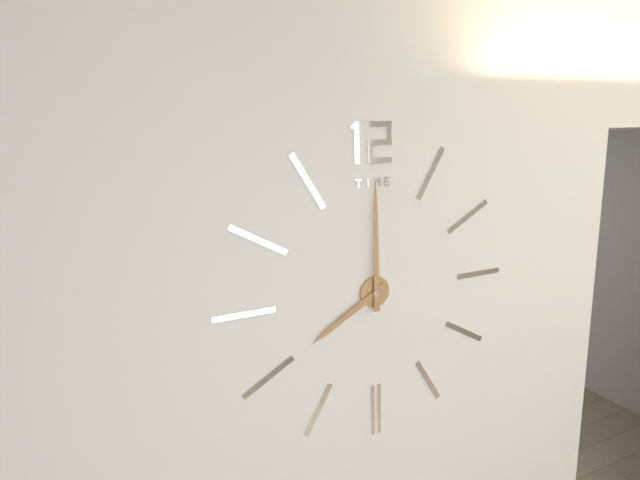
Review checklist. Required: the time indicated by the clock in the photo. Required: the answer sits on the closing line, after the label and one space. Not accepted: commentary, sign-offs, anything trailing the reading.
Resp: 8:00
